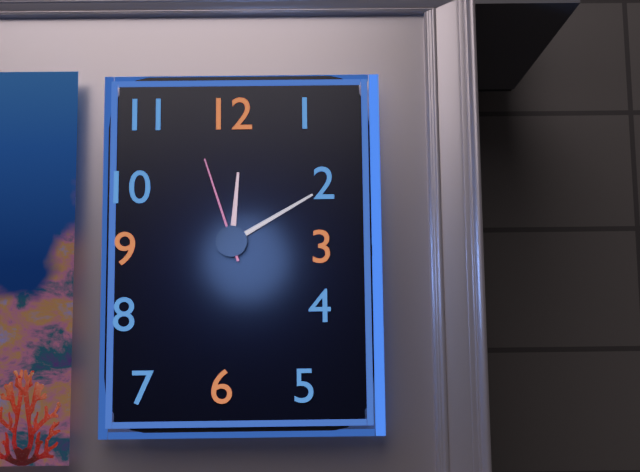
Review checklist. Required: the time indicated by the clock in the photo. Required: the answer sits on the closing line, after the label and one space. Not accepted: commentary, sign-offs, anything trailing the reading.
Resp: 12:10:57
